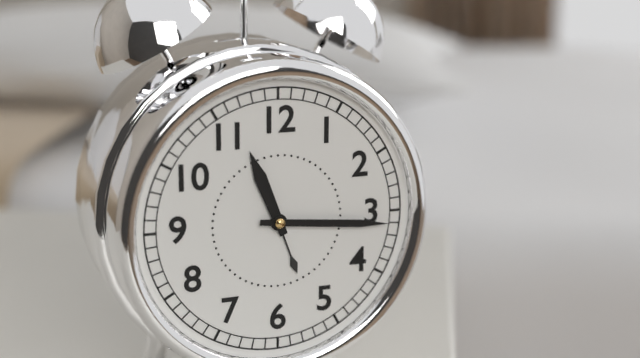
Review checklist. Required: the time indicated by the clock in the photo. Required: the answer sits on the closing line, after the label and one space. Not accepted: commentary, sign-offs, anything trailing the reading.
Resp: 11:16
